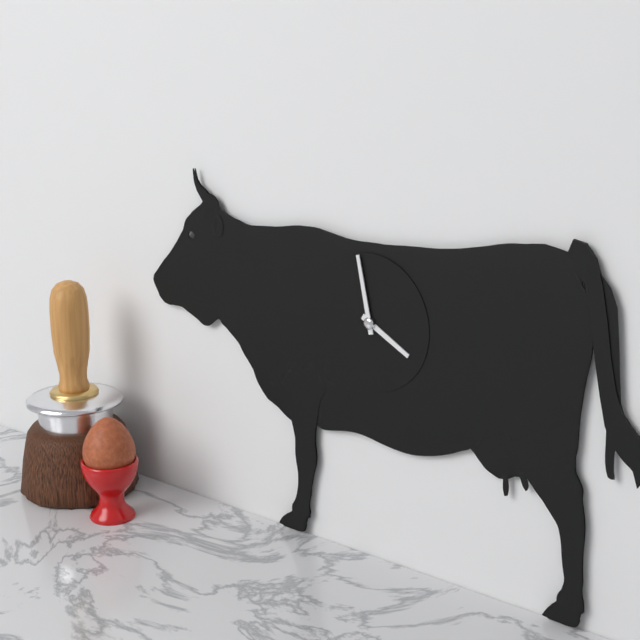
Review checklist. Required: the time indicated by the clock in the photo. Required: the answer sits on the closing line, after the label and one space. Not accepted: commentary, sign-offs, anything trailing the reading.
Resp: 3:58
